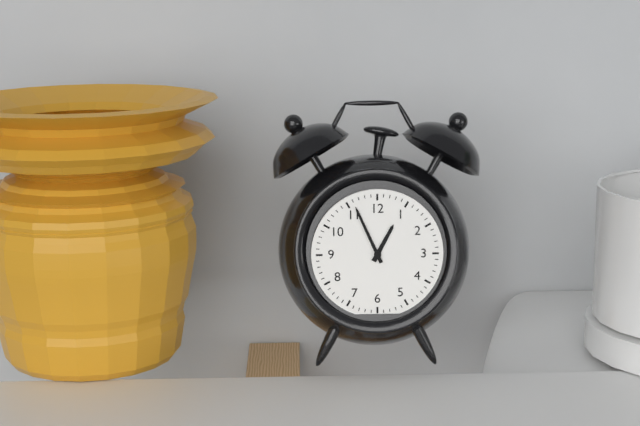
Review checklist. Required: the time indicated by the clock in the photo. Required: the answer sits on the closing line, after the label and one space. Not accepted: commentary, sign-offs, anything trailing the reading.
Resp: 12:56
